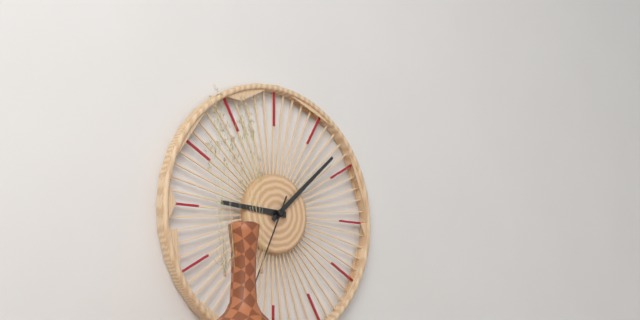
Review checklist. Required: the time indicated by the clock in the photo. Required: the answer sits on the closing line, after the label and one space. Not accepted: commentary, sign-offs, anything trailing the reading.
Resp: 9:08
